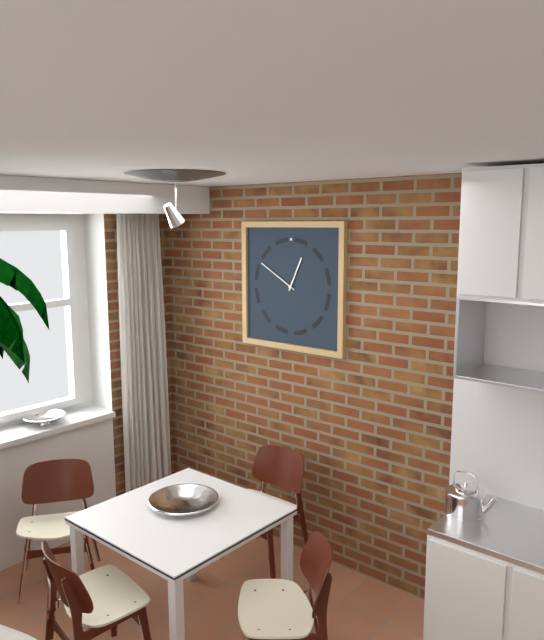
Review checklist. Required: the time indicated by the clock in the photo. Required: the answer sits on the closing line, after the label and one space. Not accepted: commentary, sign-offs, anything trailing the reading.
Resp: 12:50
